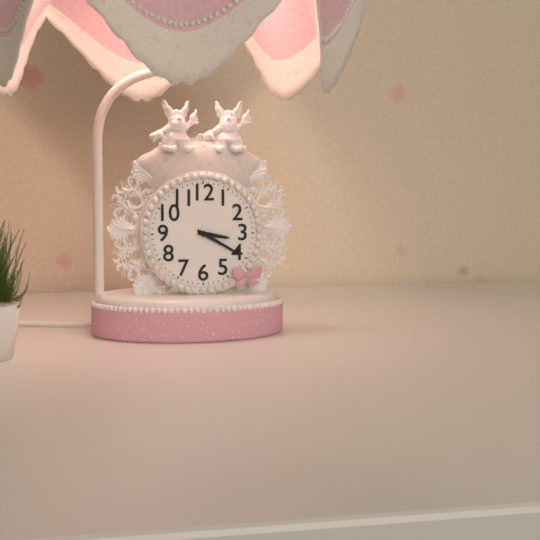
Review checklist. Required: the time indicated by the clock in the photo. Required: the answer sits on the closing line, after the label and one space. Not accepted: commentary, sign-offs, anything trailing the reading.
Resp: 3:20
